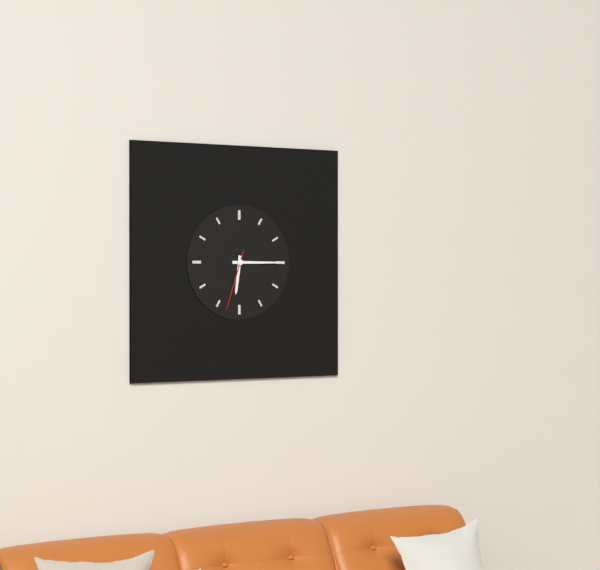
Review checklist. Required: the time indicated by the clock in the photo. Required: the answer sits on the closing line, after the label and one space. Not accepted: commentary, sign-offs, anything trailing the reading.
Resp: 6:15:33
